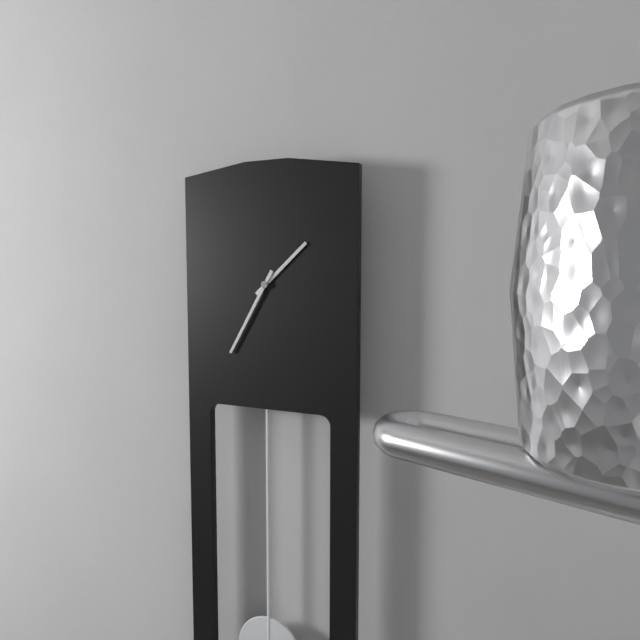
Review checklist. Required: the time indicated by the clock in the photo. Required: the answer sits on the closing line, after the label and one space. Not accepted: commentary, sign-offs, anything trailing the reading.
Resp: 1:35
